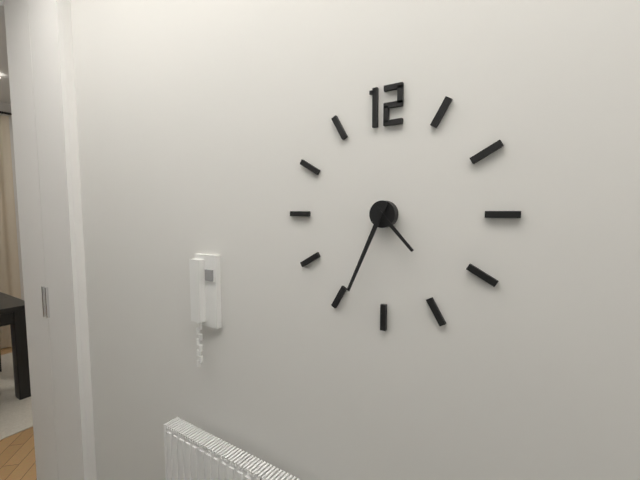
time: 4:34
